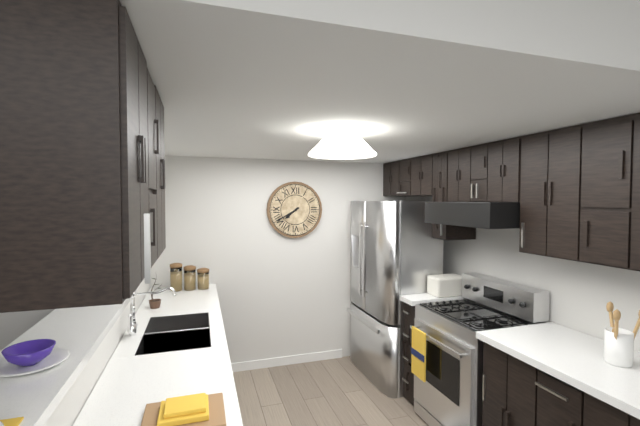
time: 7:40
